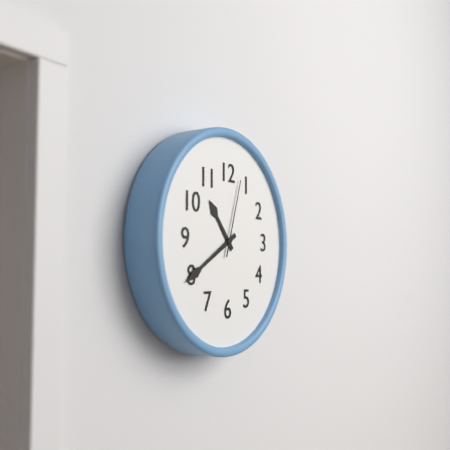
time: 10:40:03
